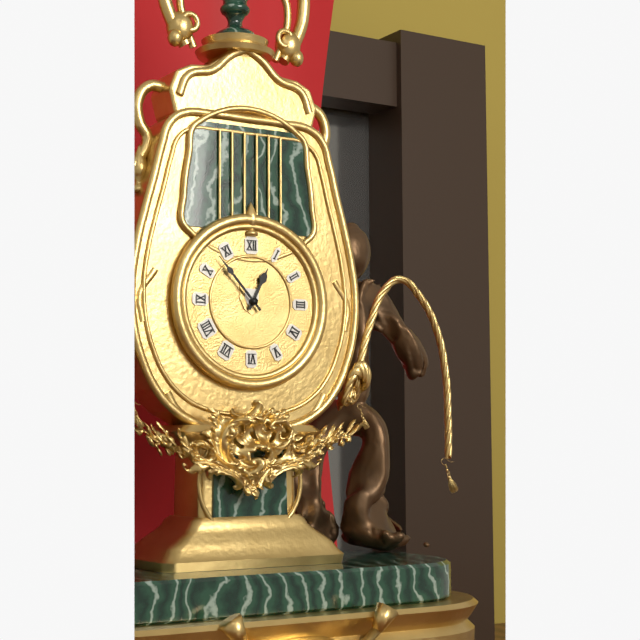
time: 12:53
